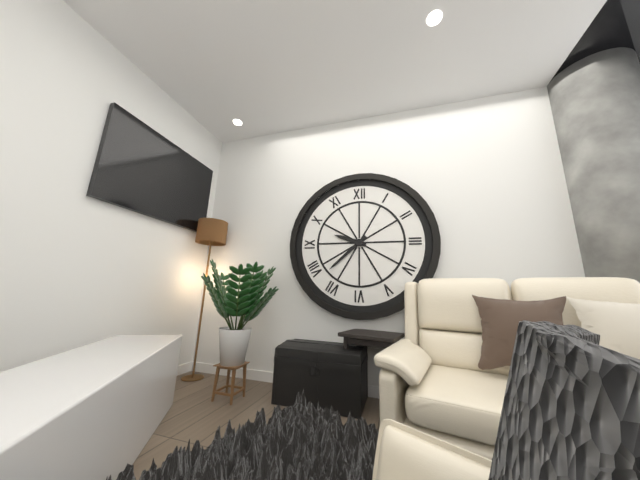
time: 9:38
